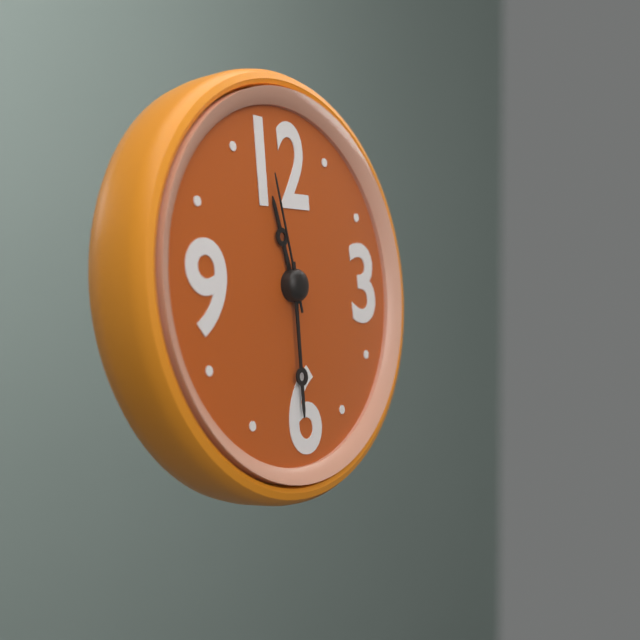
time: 11:30:58
